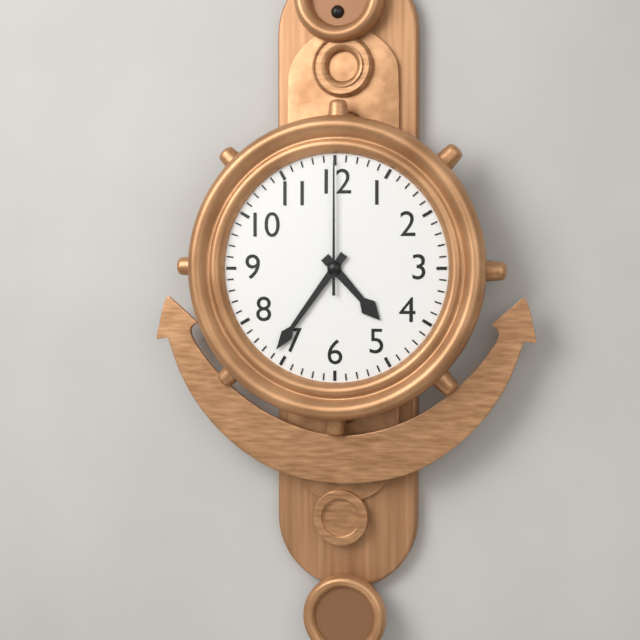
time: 4:36:00
